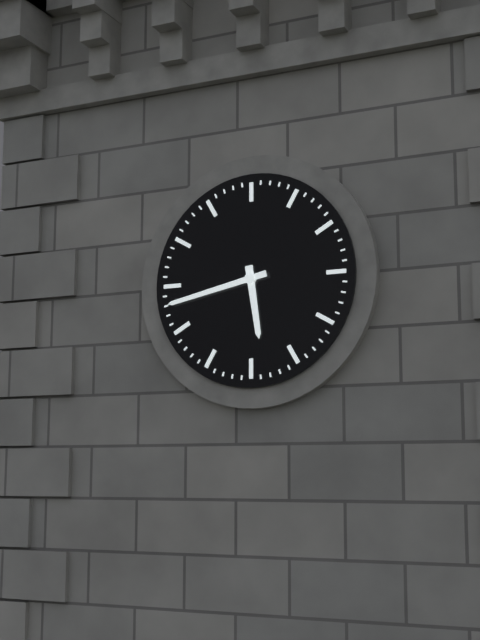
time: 5:43
